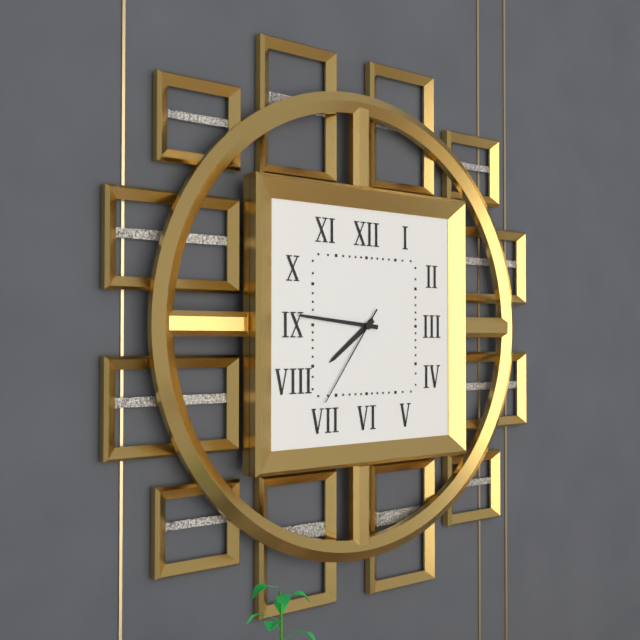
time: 7:46:36
